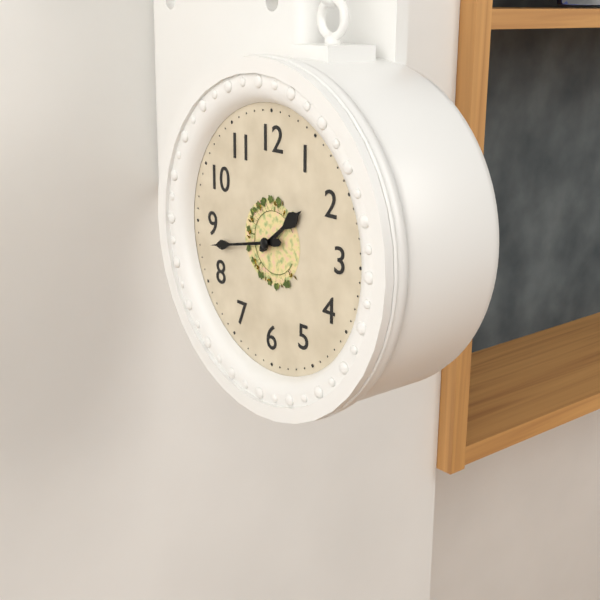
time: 1:43
